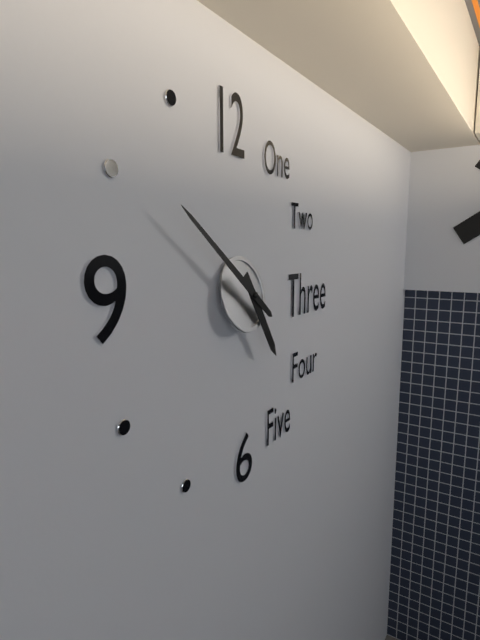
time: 4:51
